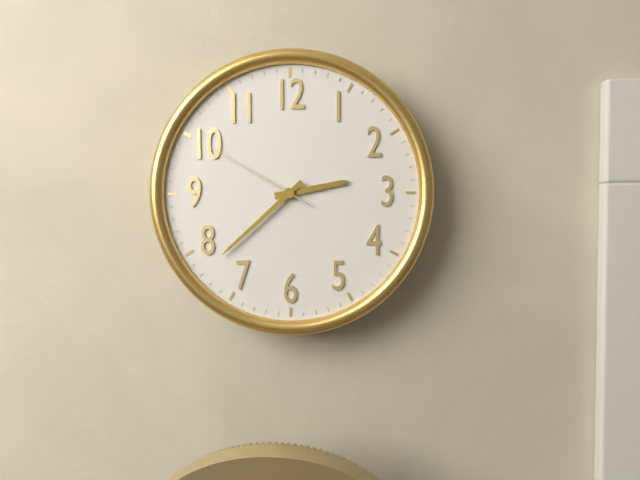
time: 2:38:50
